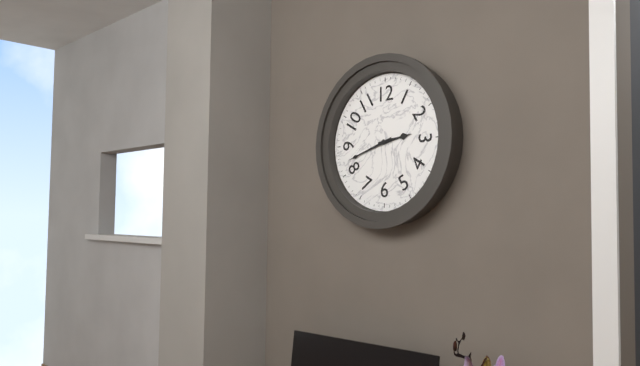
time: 2:42
